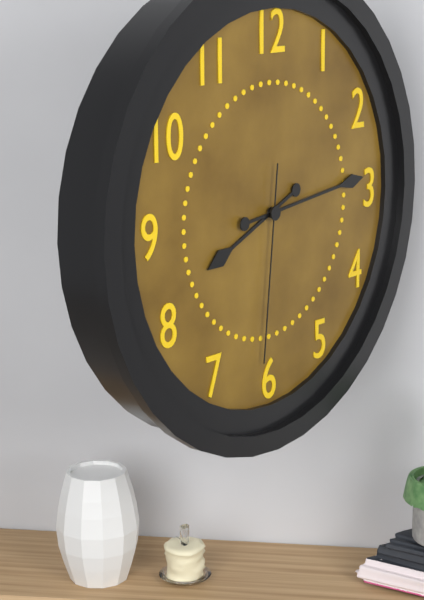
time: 8:14:31
